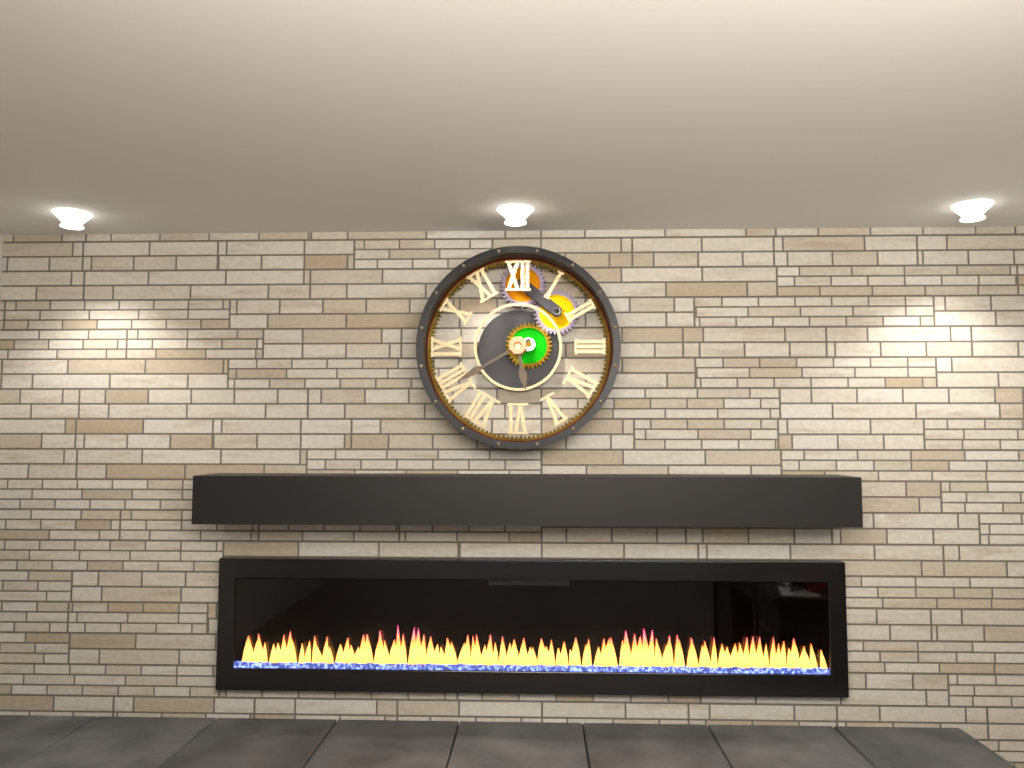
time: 5:40
